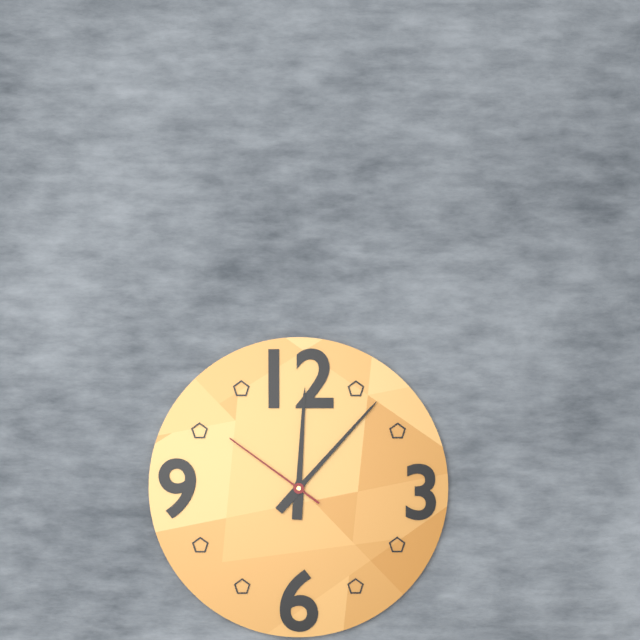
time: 12:07:51
